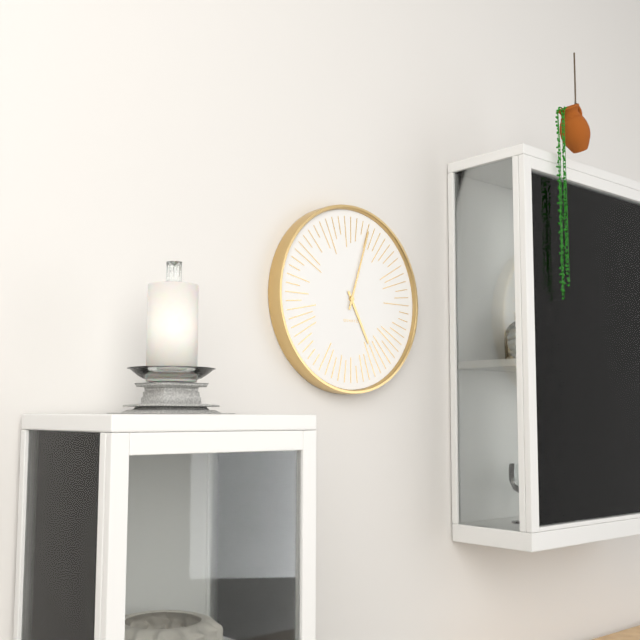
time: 5:03
